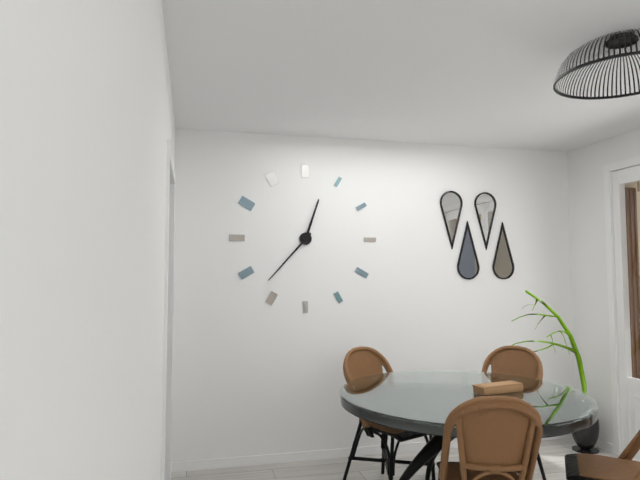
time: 12:37
